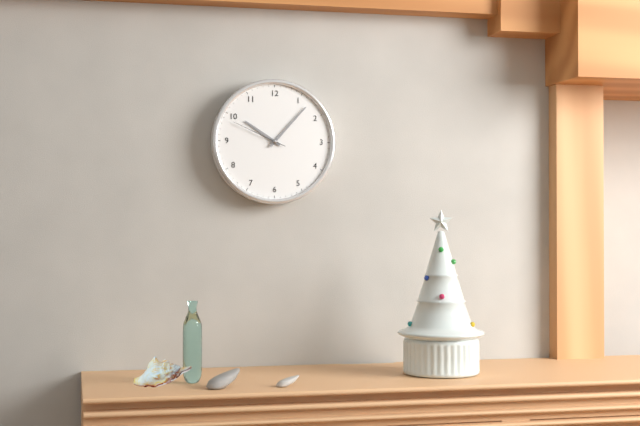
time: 10:07:49
